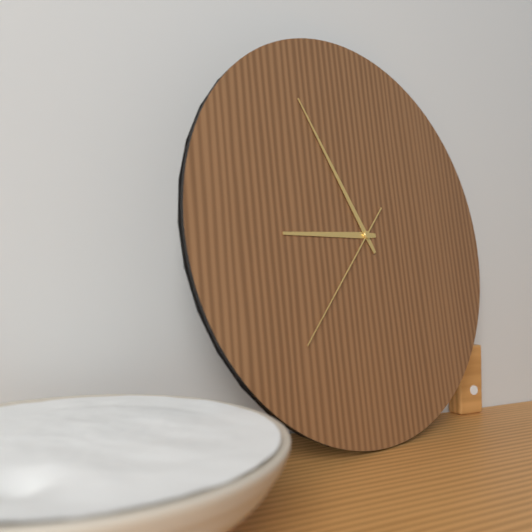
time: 8:55:37
